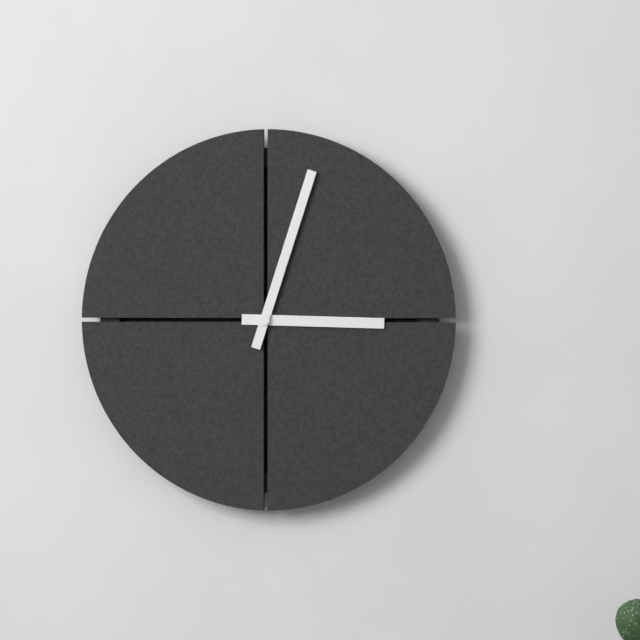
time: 3:03
